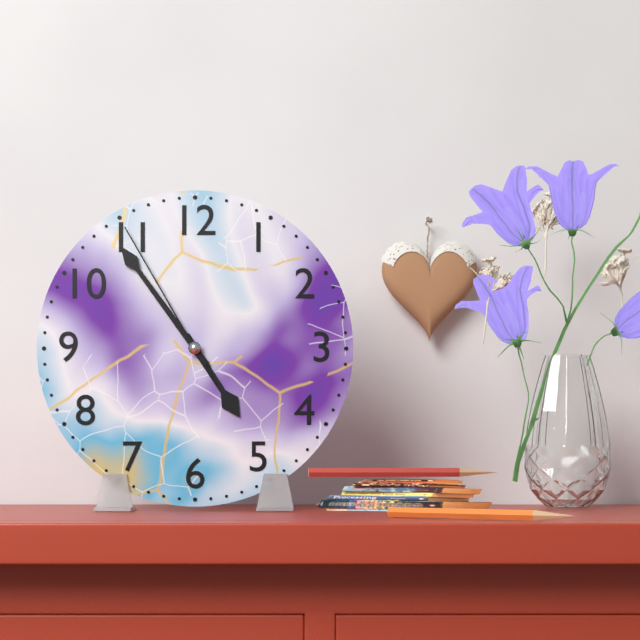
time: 4:54:55
